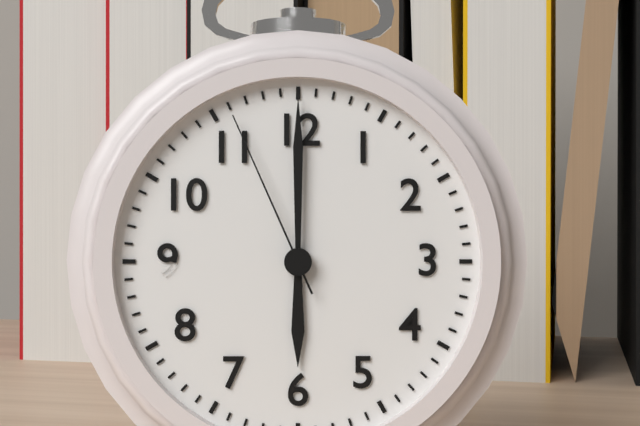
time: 6:00:56
